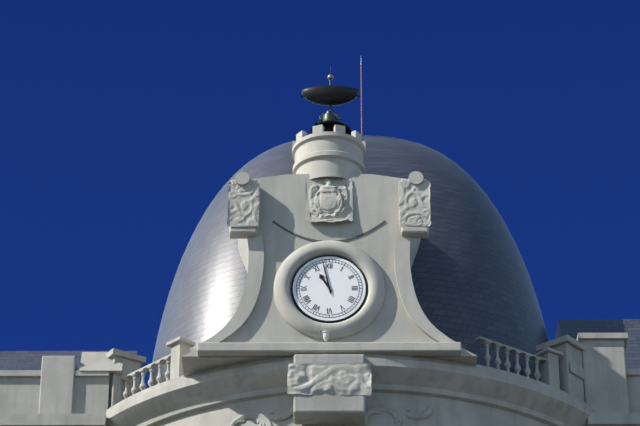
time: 10:58
